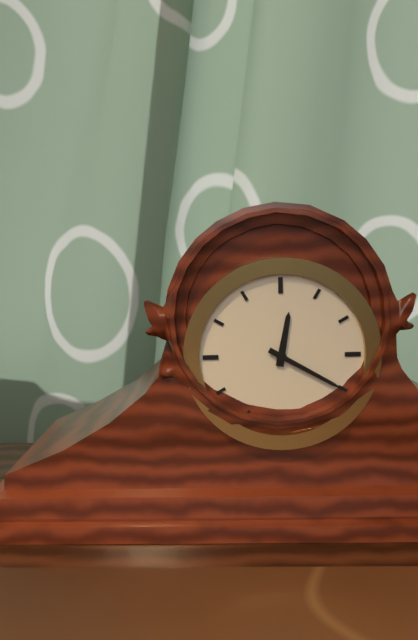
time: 12:20
